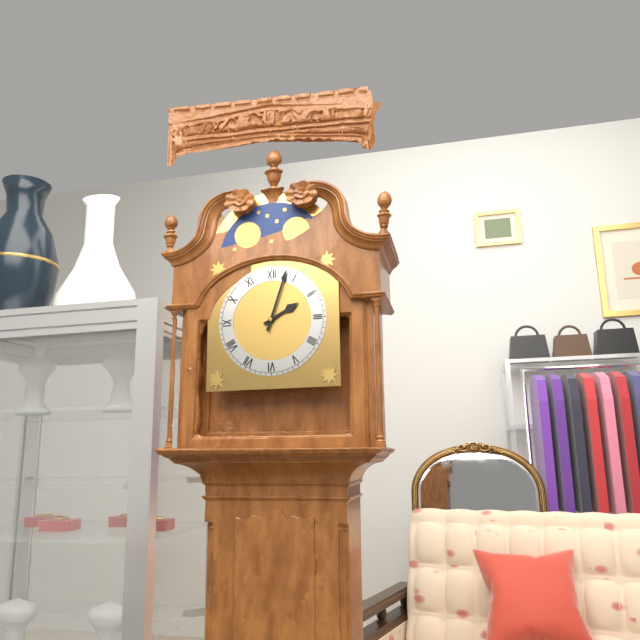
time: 2:03
